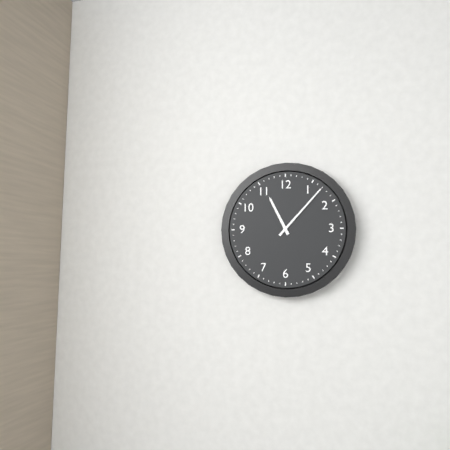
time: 11:07
